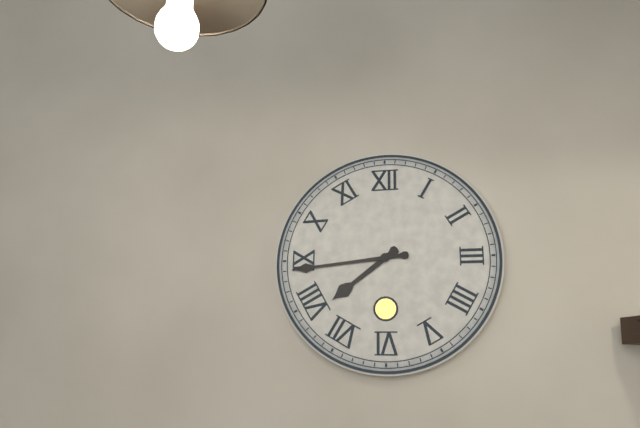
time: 7:44
